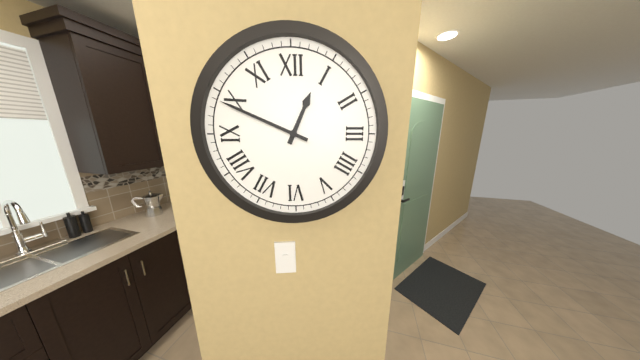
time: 12:49
